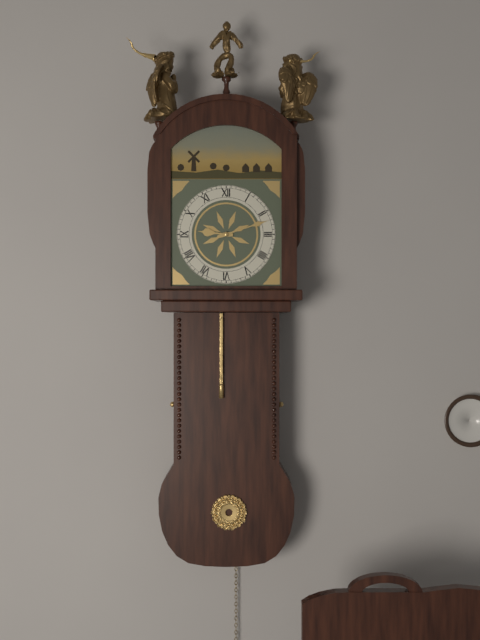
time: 9:12
